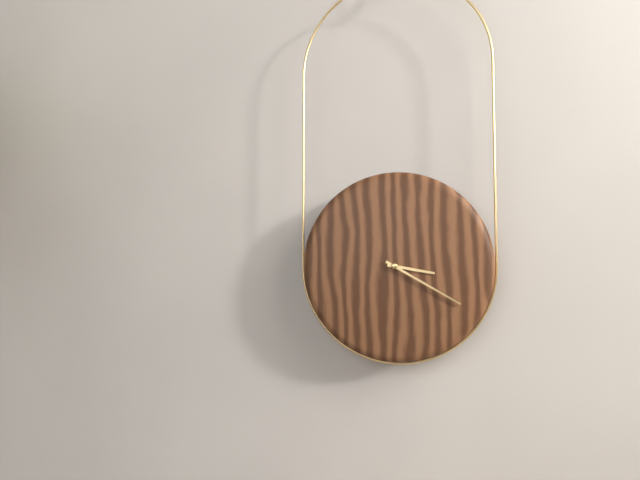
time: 3:20
